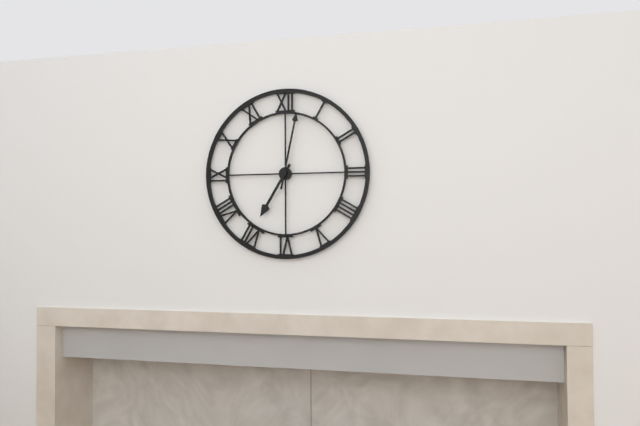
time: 7:02
